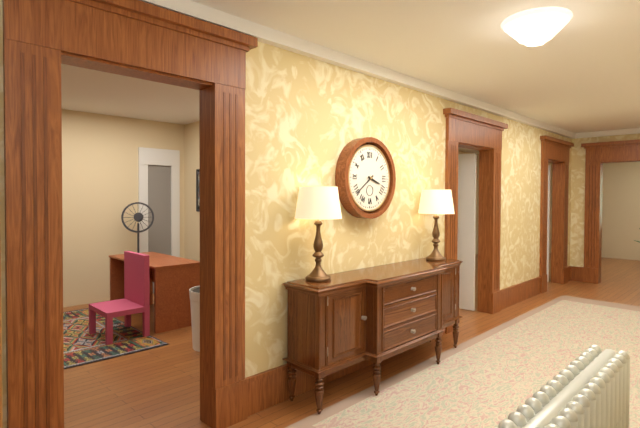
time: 3:39
